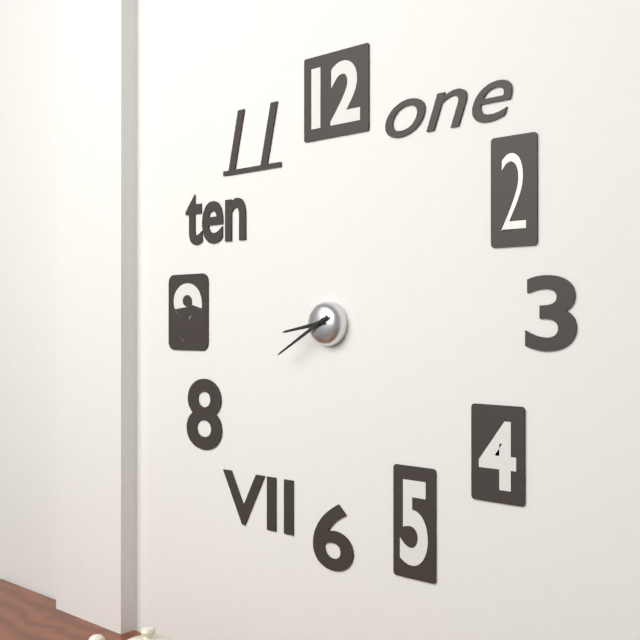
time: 8:40
